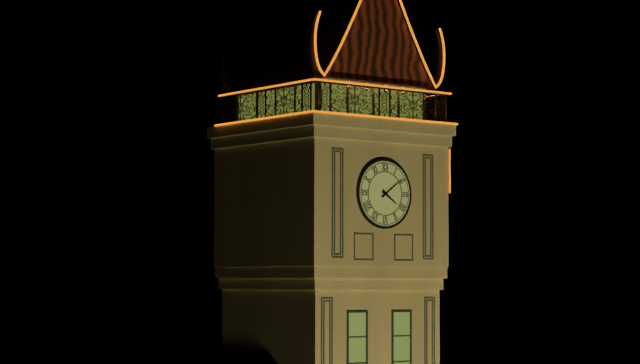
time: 4:09
